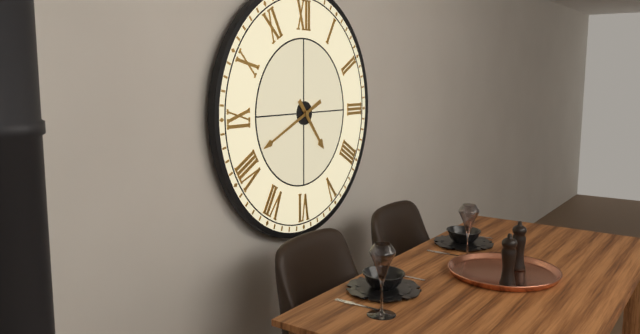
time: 4:41
